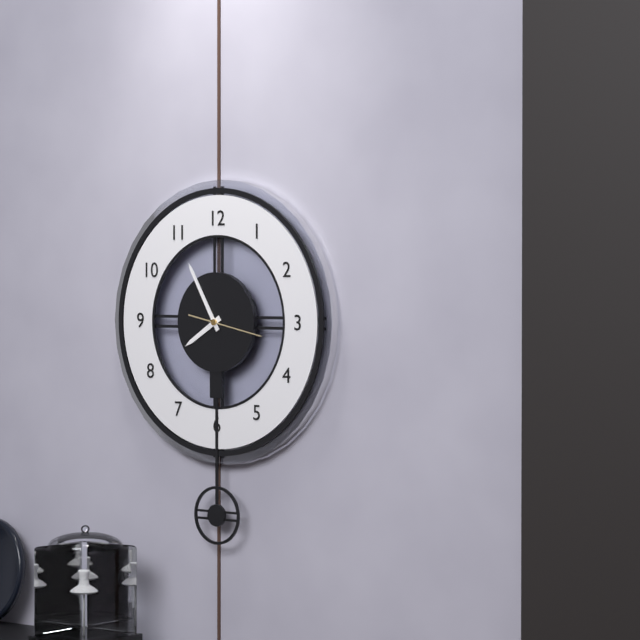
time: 7:55
